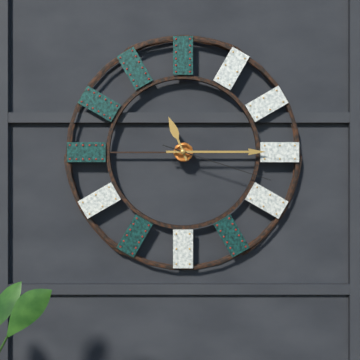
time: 11:15:18
